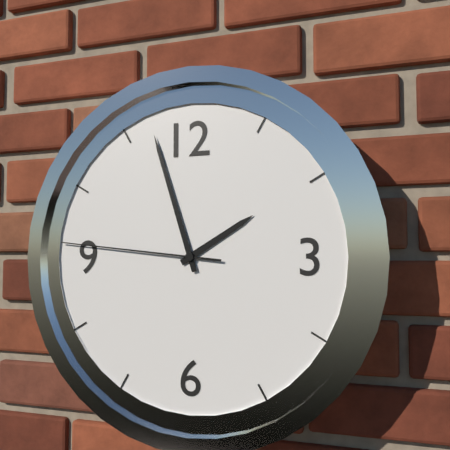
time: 1:57:46
